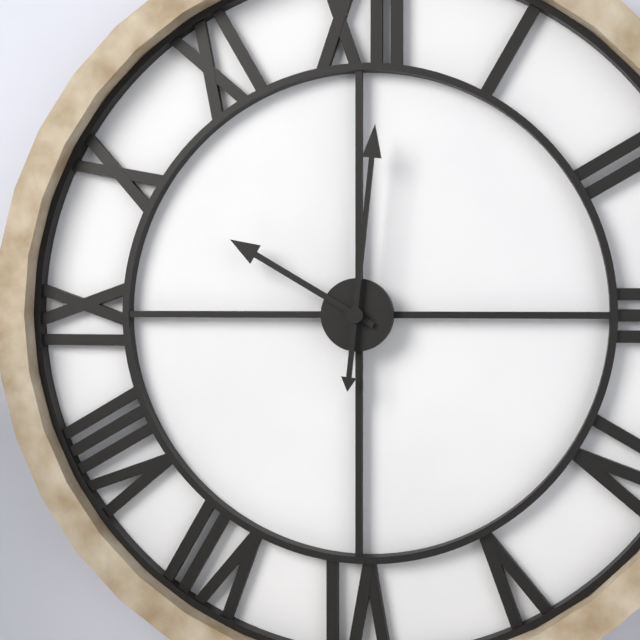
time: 10:01
